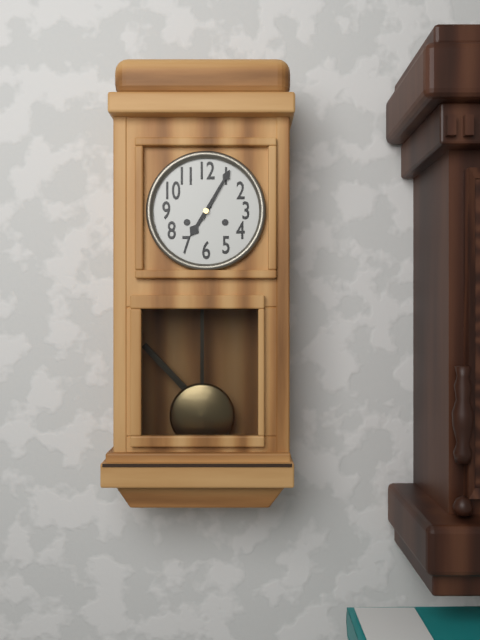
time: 7:05
